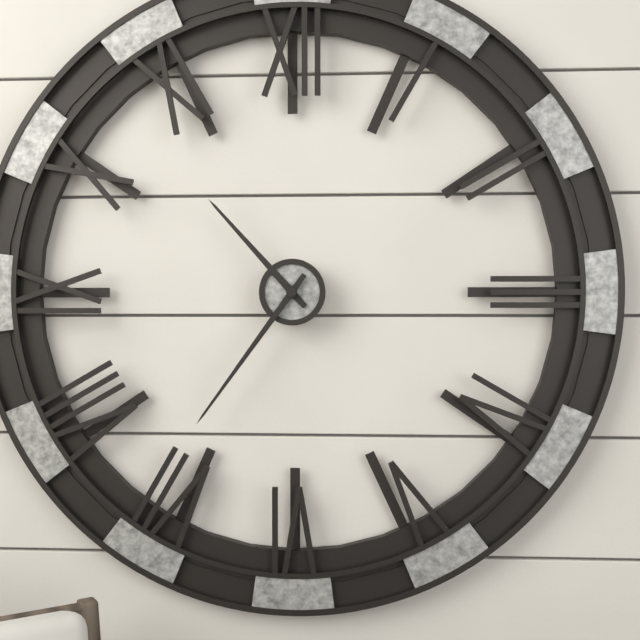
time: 10:36
